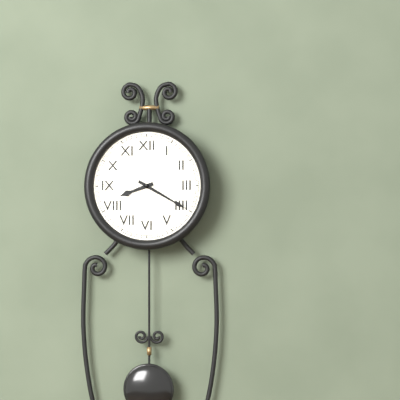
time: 8:20
